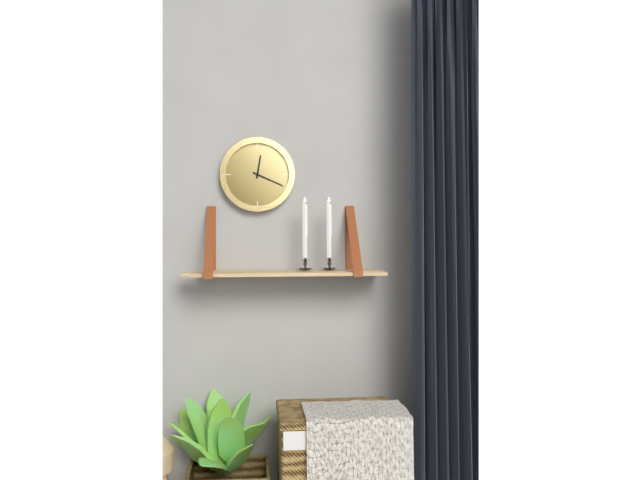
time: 12:19
